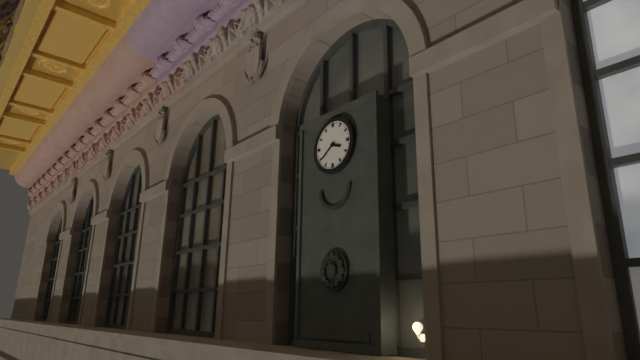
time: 3:39
